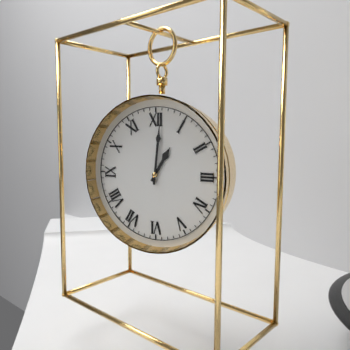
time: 1:01
